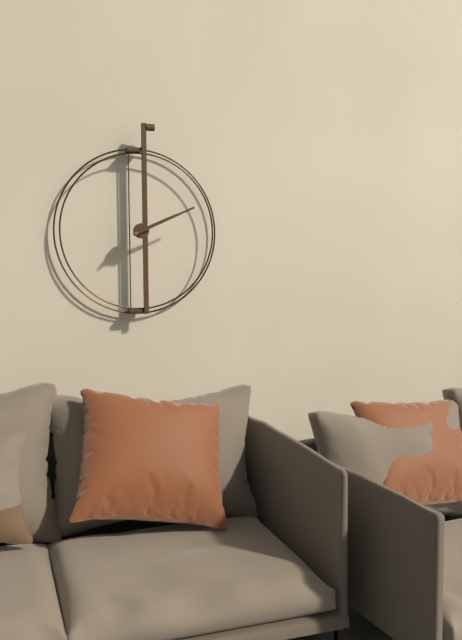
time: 2:11
